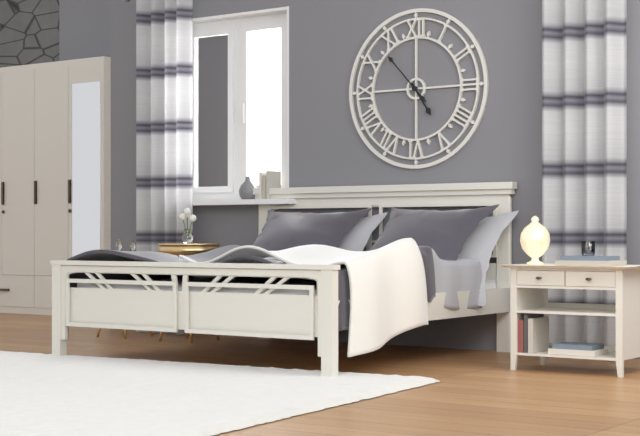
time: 4:53
